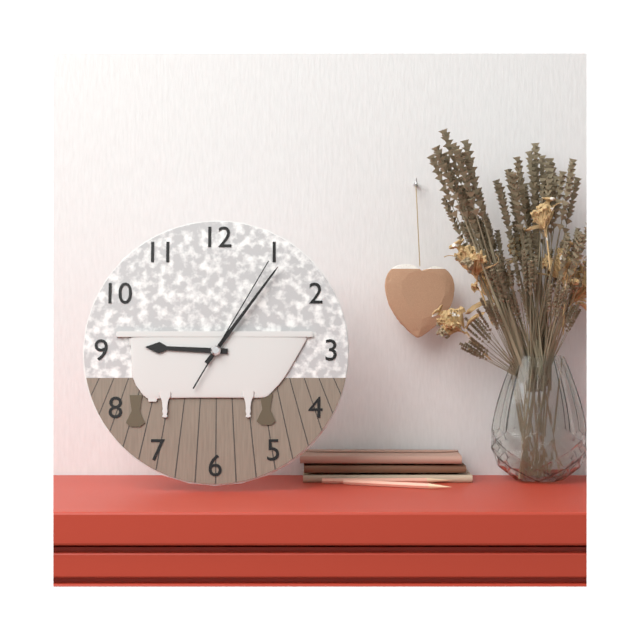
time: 9:06:05
